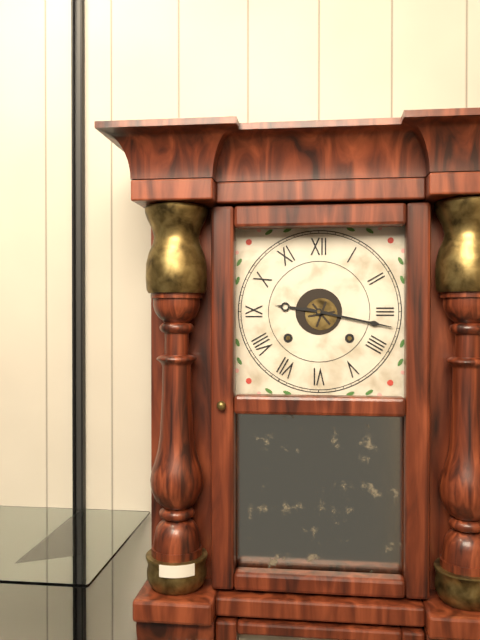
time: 9:17
